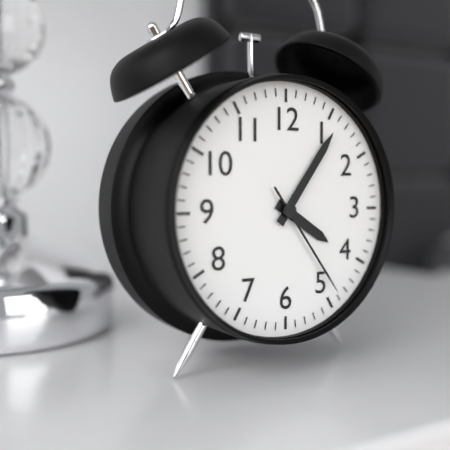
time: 4:06:24
